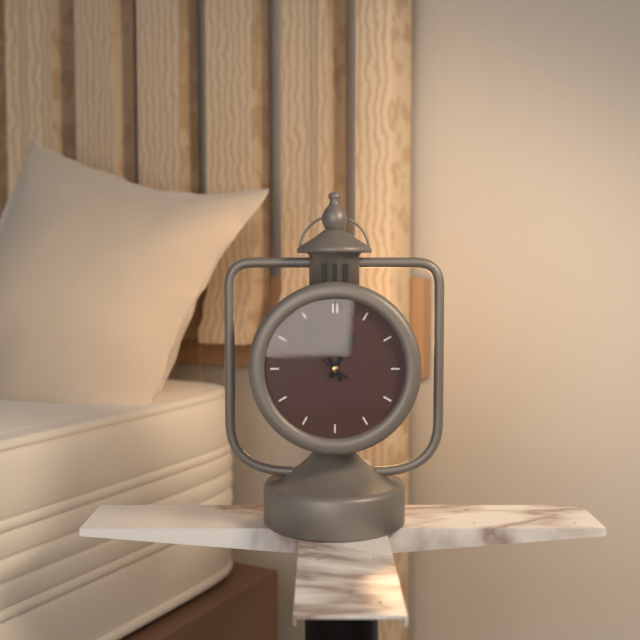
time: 12:55:51
